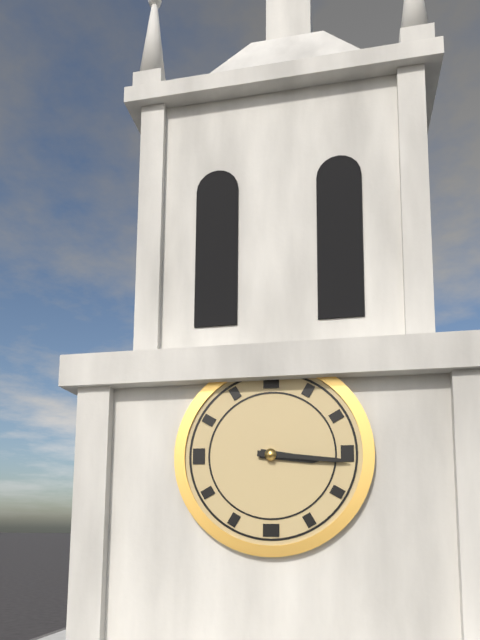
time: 3:16
